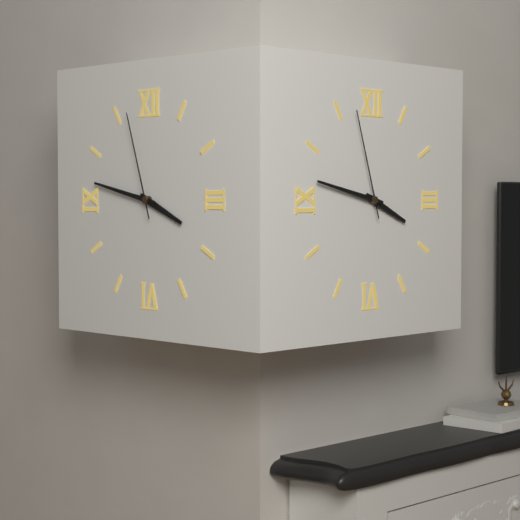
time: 3:47:57
